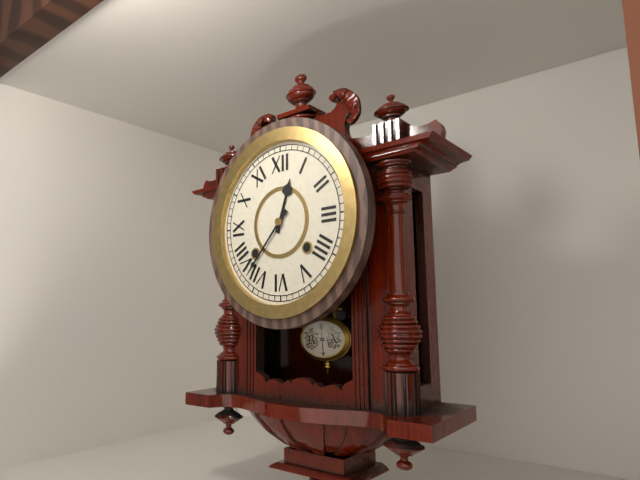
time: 12:37
